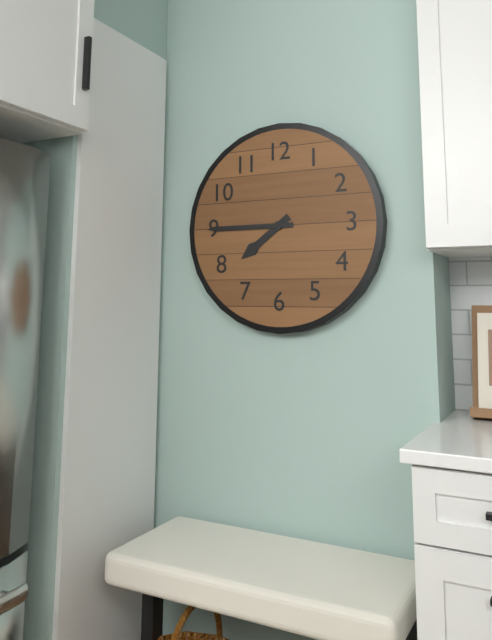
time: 7:45
